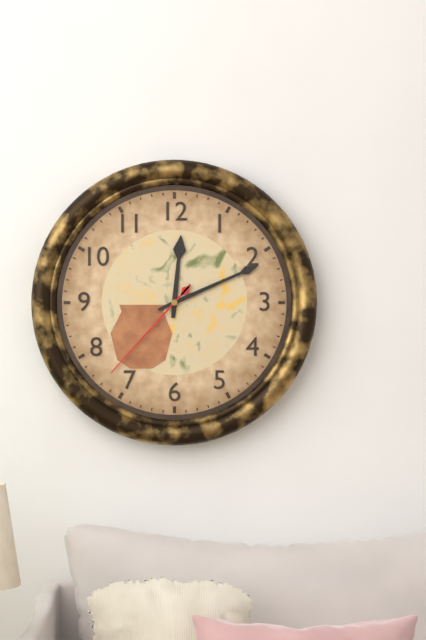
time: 12:11:37
